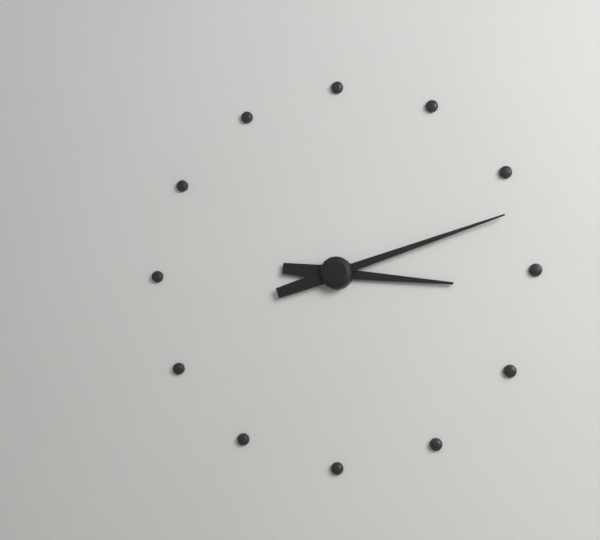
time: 3:12
